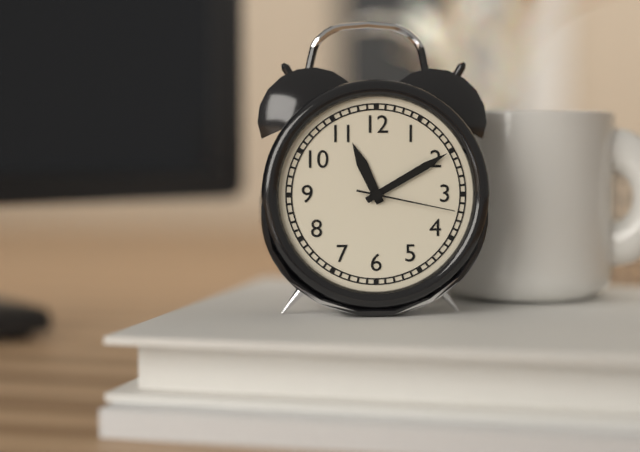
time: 11:10:17
